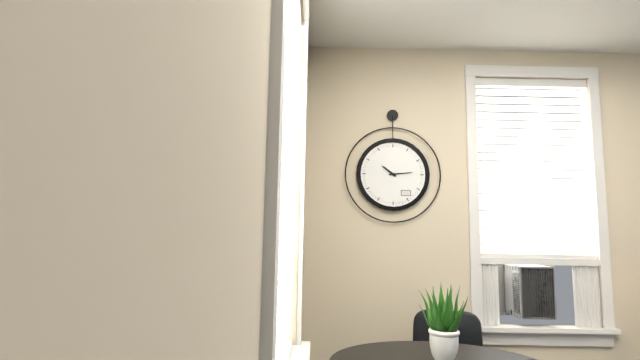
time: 10:14
